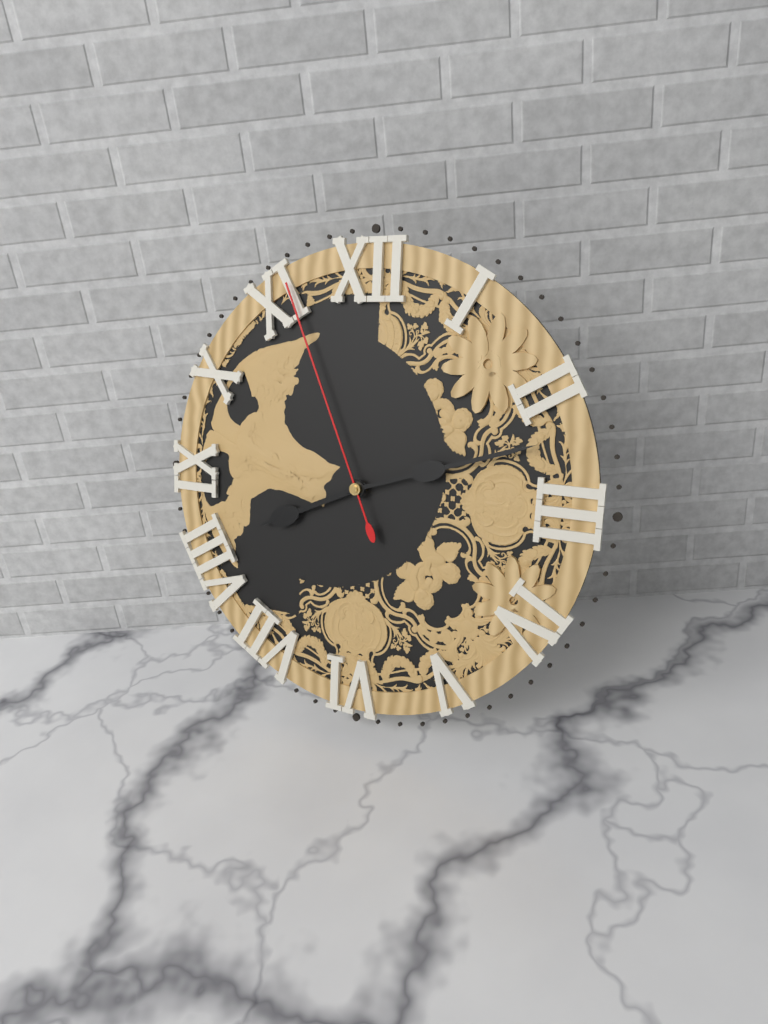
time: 8:12:56
